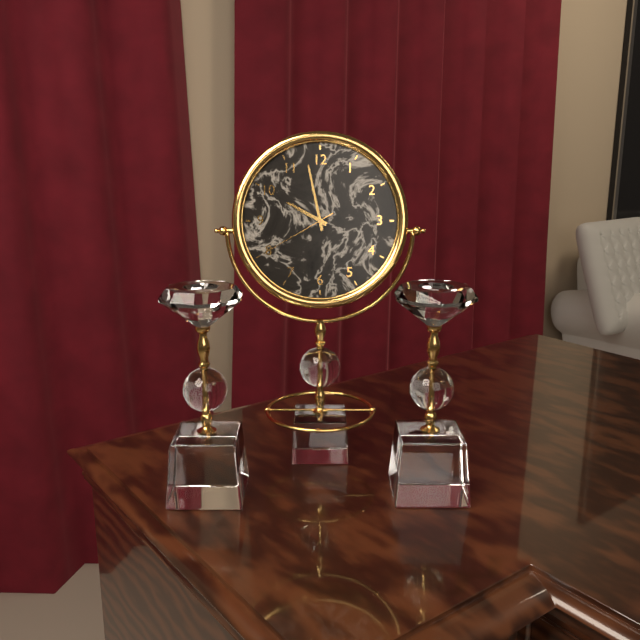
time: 9:58:40
